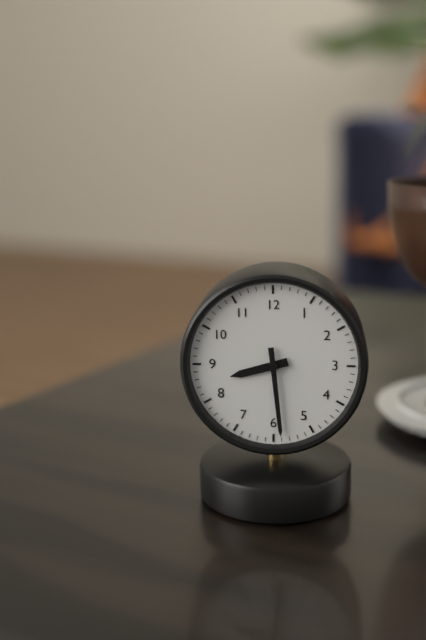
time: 8:29
